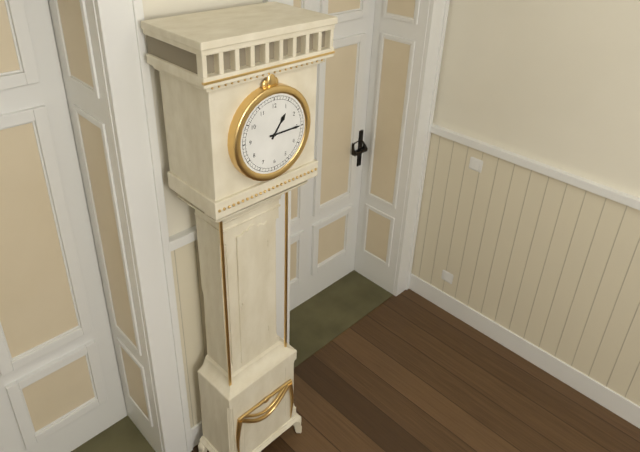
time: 1:15
